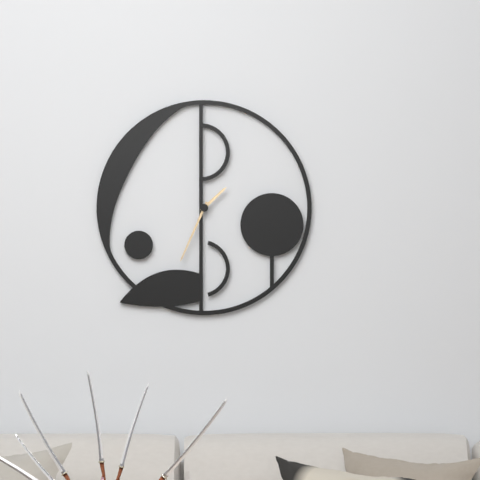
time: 1:34
